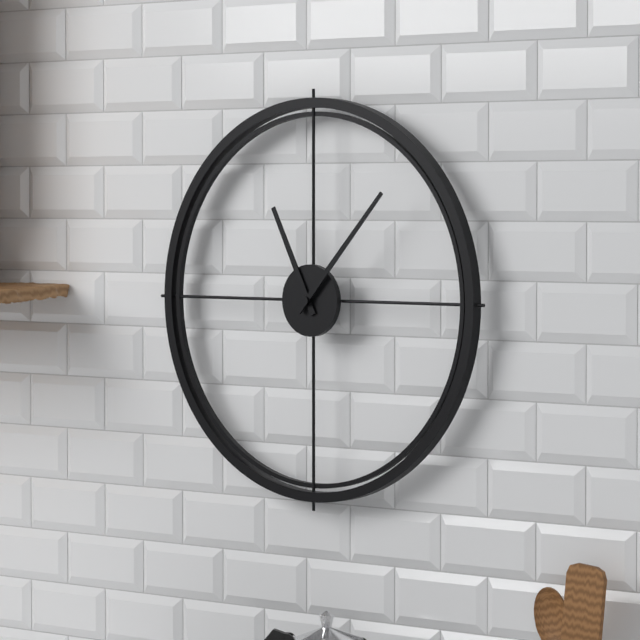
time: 11:07
